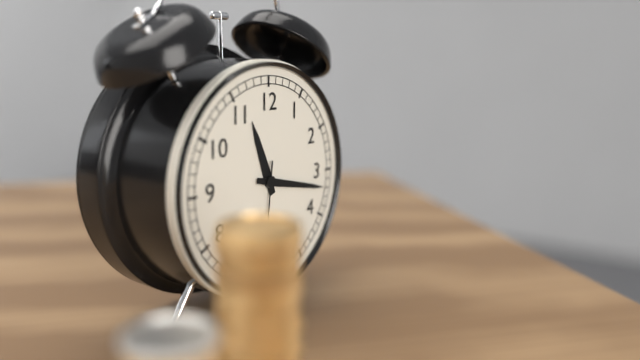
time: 11:17
